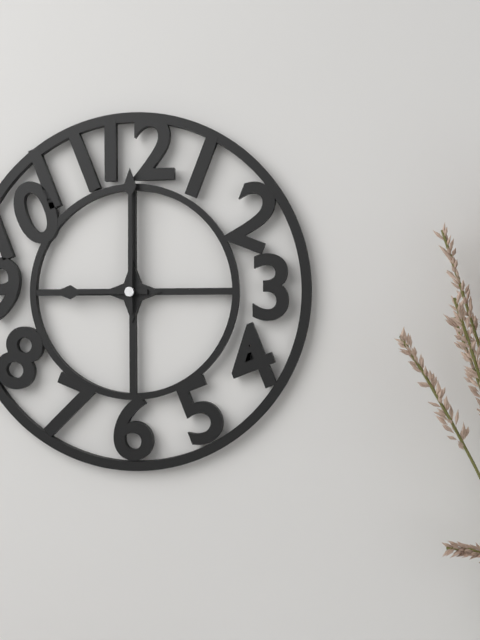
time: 9:00
